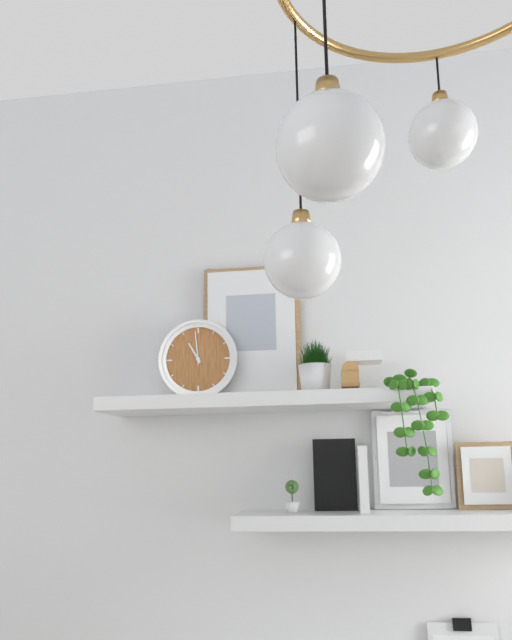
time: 10:59
